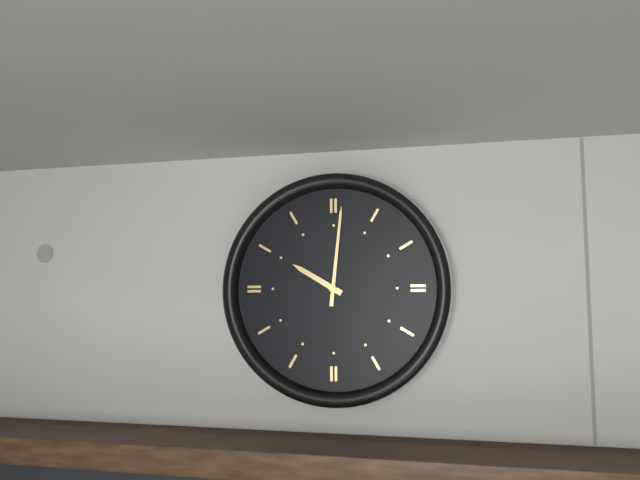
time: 10:01
